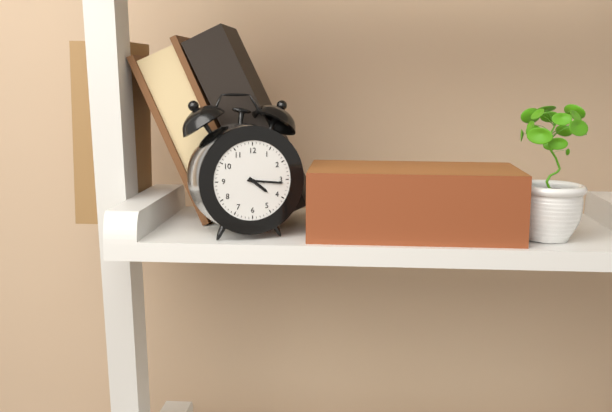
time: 4:16
